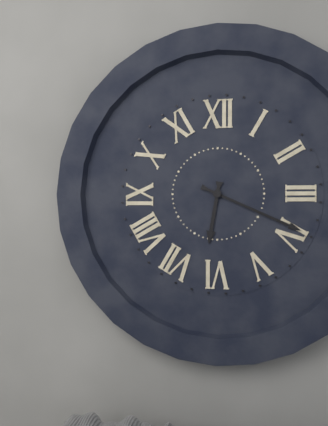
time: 6:19
